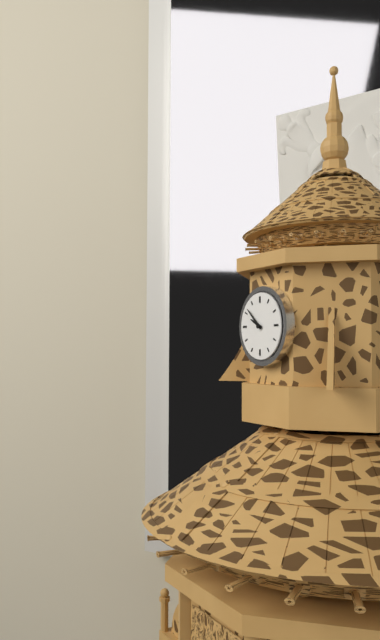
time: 9:52
